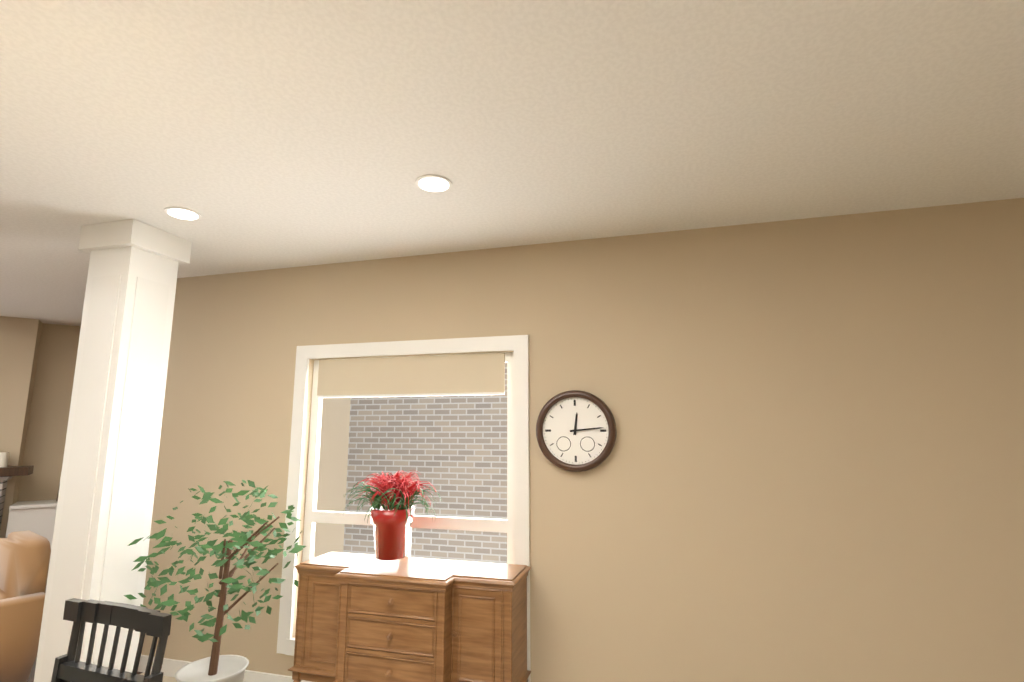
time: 12:14
